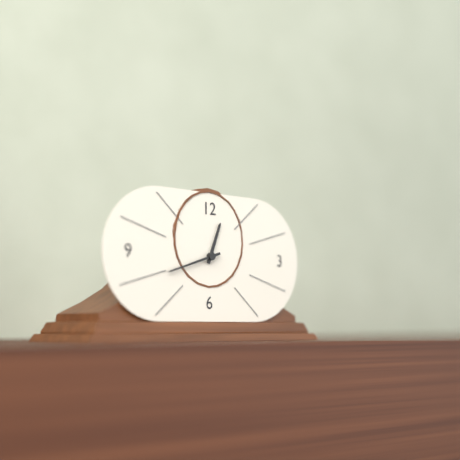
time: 12:42
